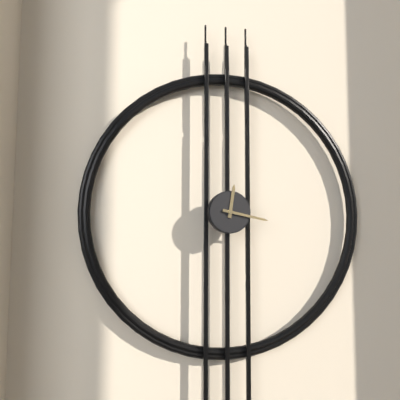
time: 12:17
